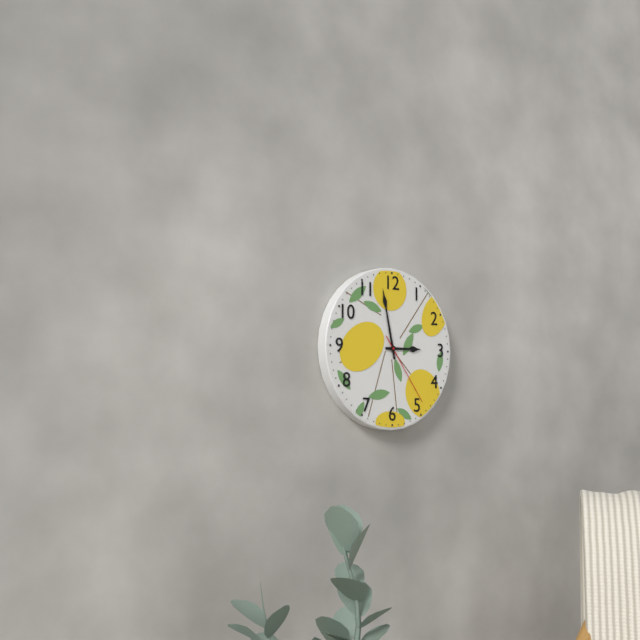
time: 2:58:24
